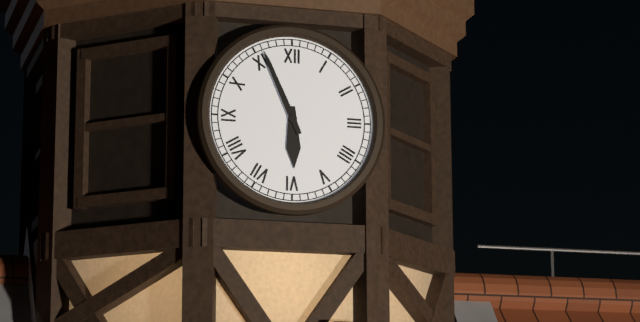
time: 5:56
